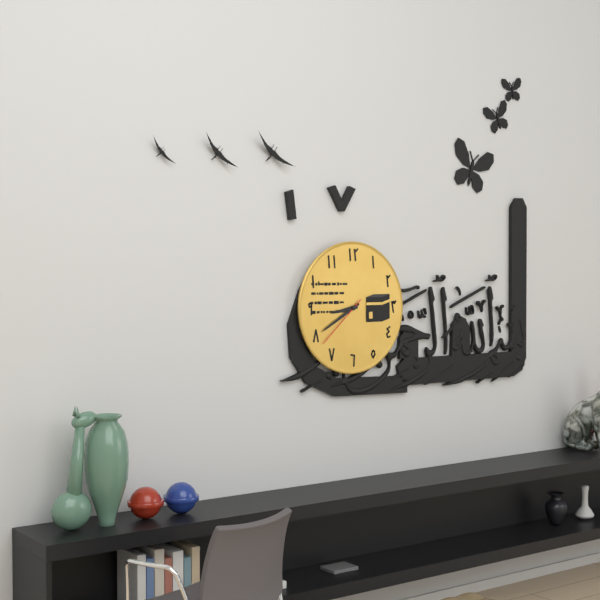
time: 8:40:38
